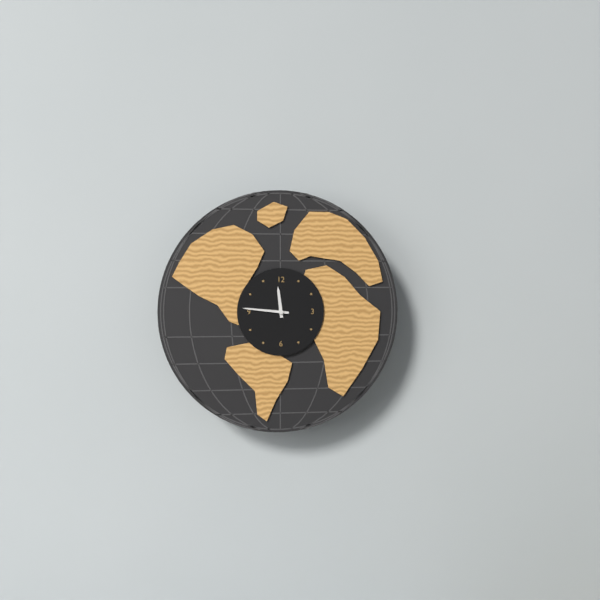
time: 11:46
